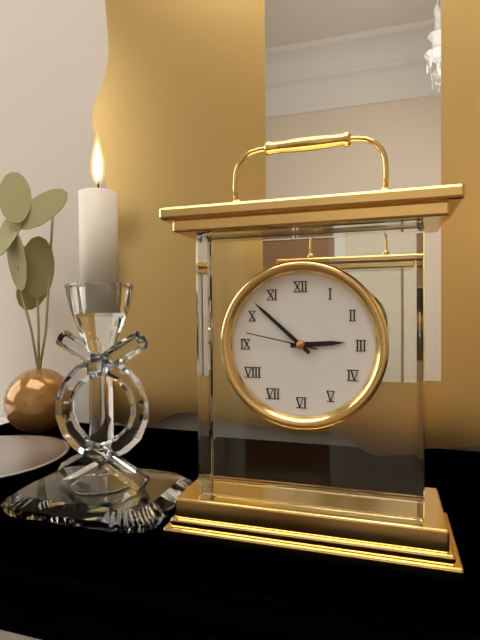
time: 2:52:47
